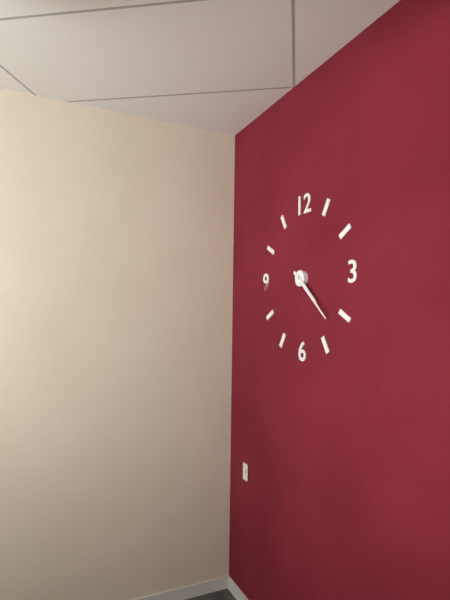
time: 4:22
